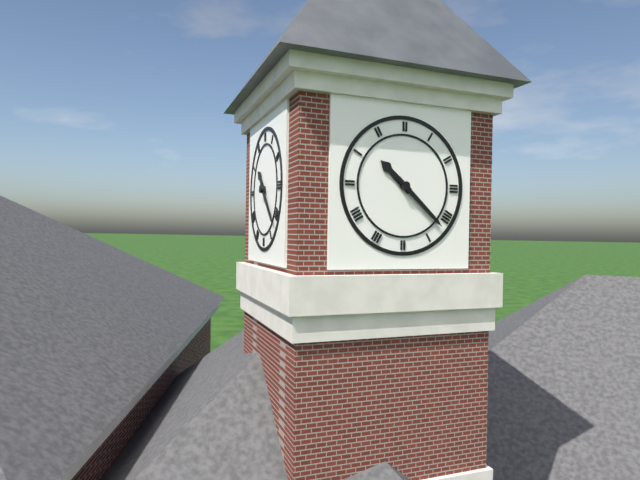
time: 10:22
